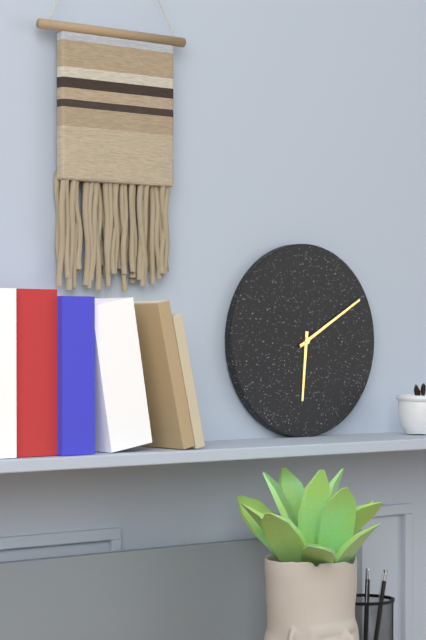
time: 6:10
